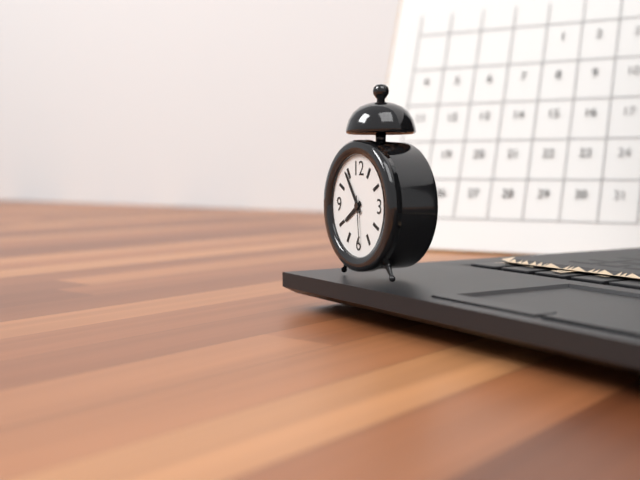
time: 7:54
